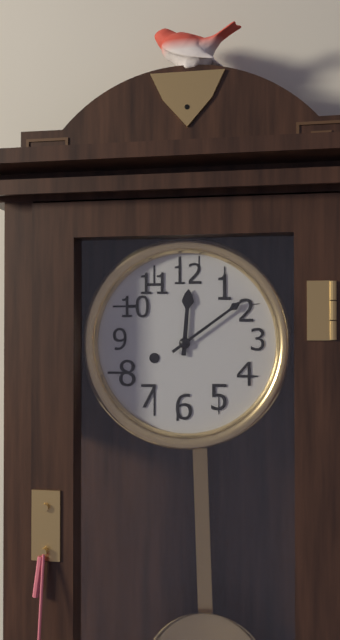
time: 12:09
